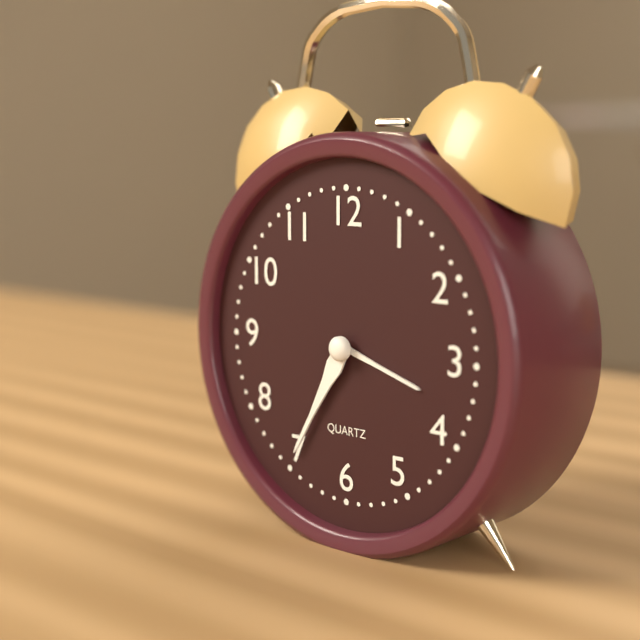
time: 3:35
